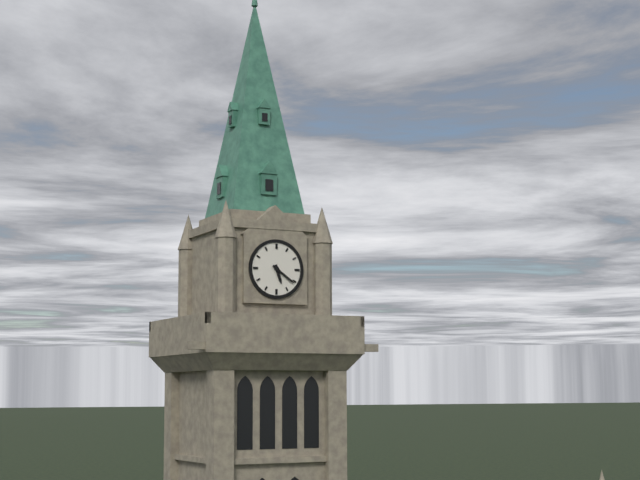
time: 5:21
